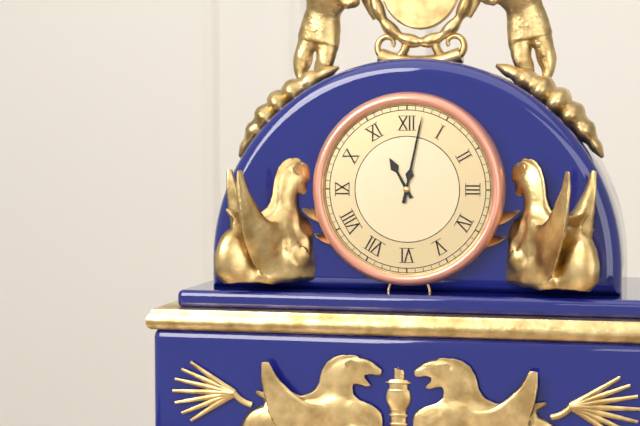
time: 11:02
